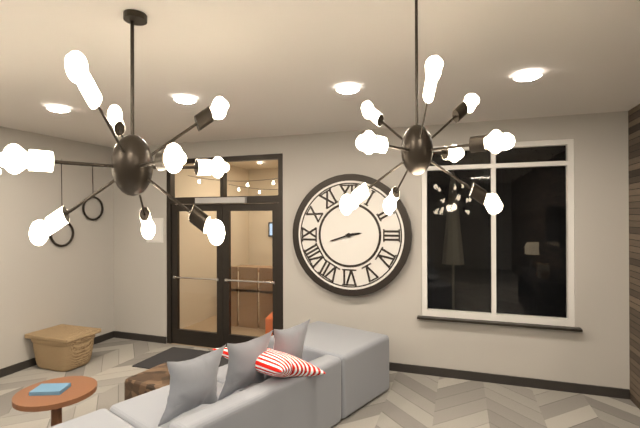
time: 2:42
